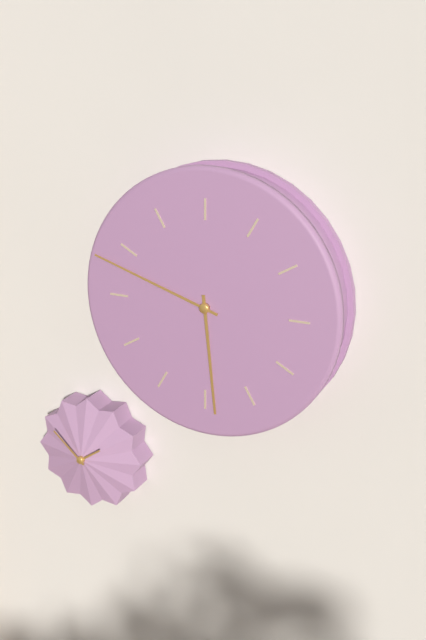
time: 5:48
